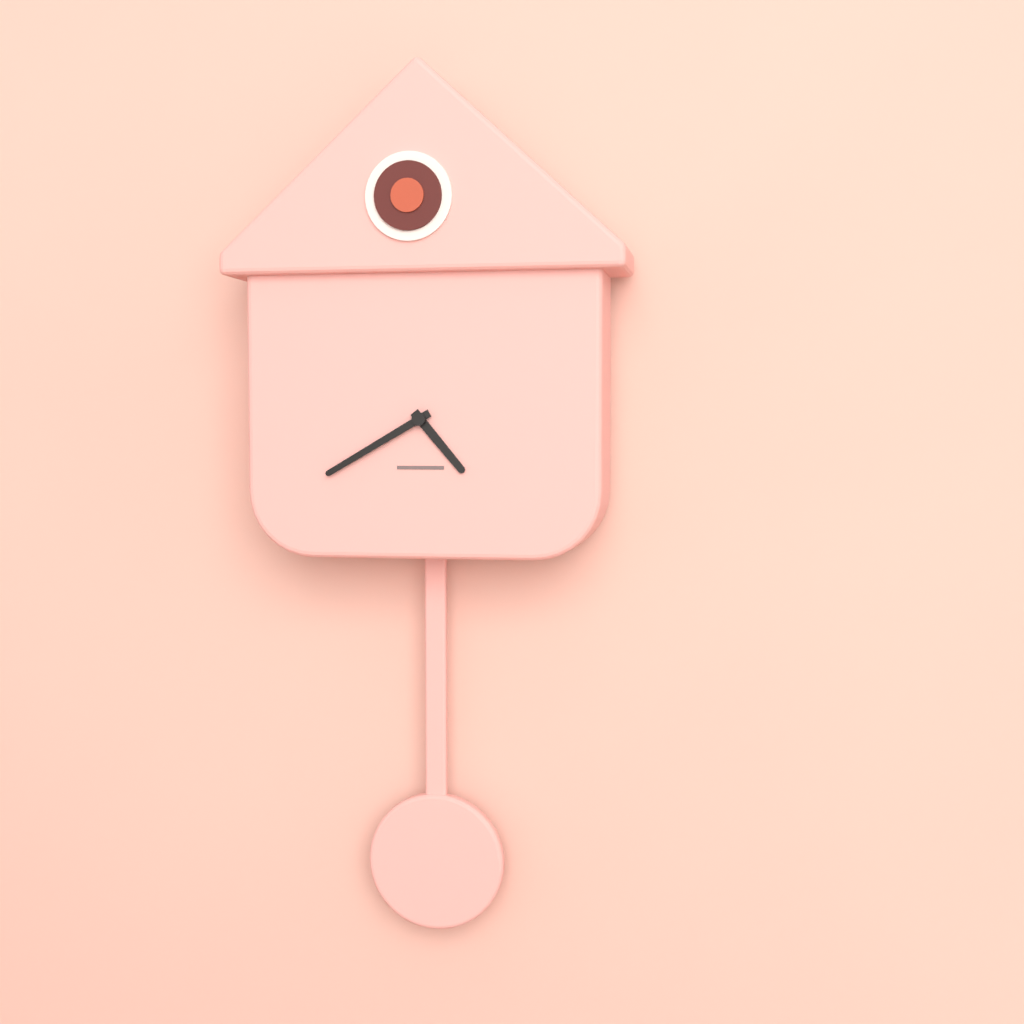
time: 4:40
